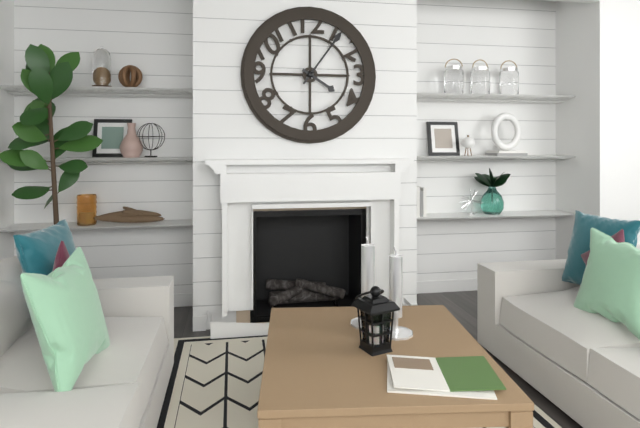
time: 4:06
